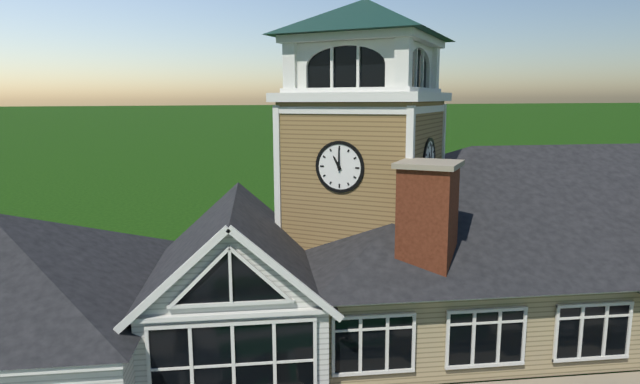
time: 11:00
